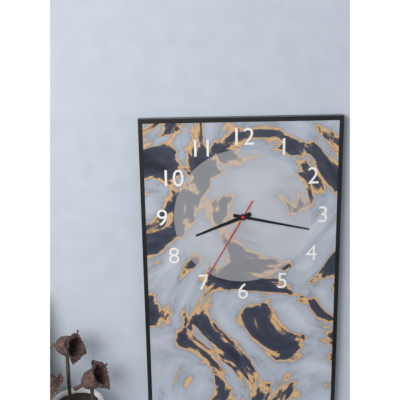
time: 8:17:35
